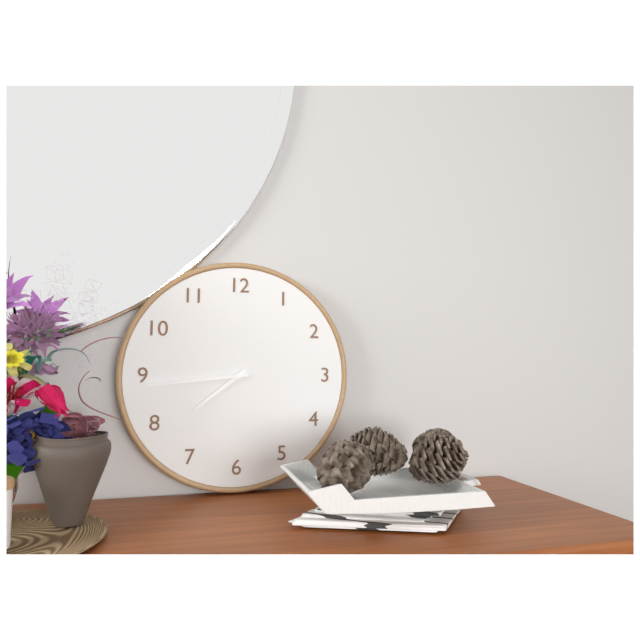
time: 7:44
